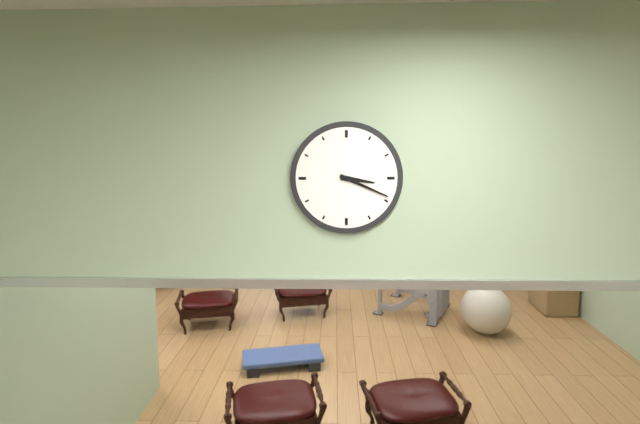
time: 3:19
